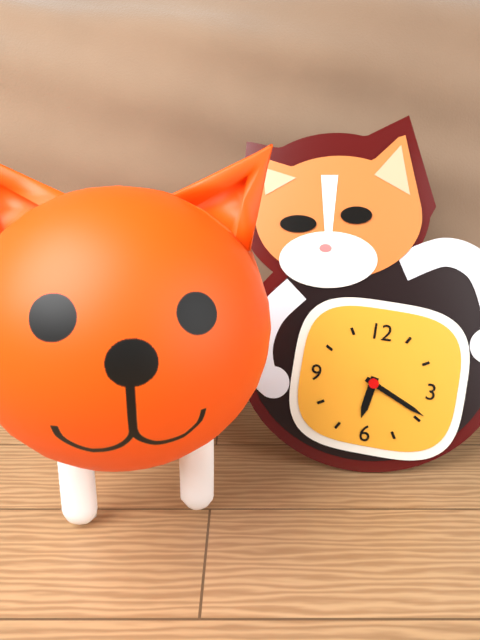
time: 6:19
